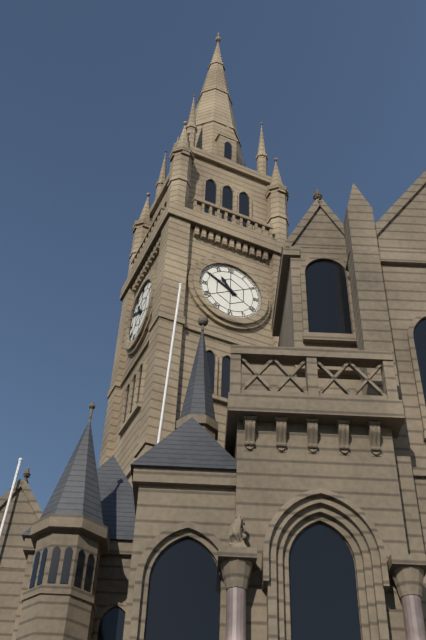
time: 10:50
